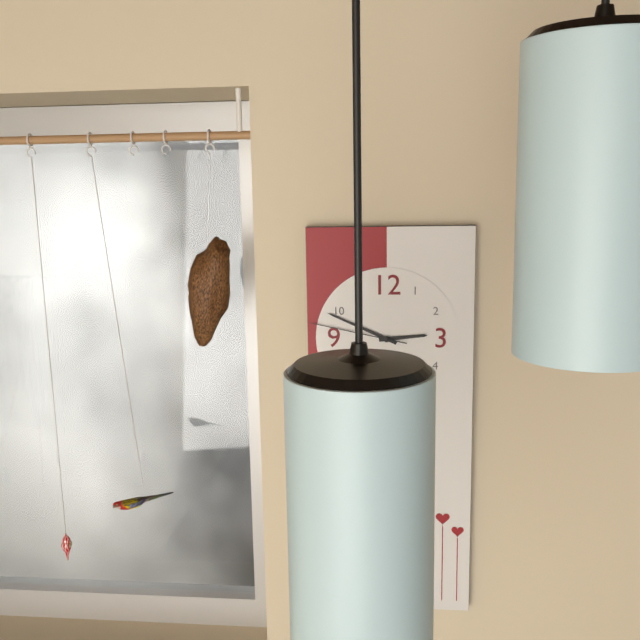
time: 2:49:47
